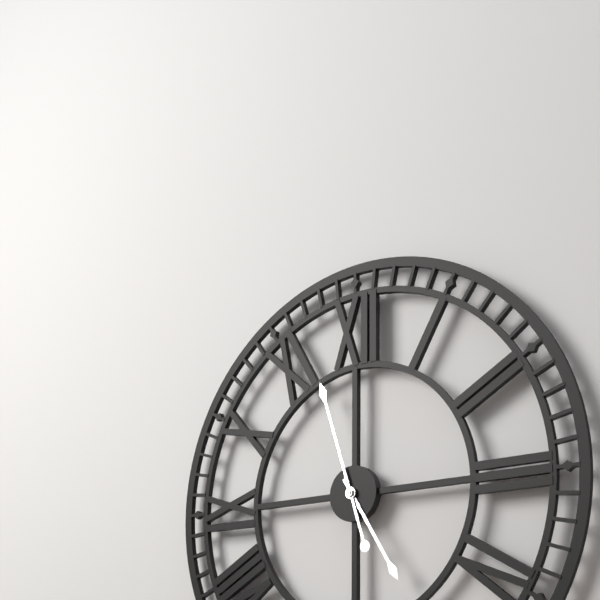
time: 4:57
